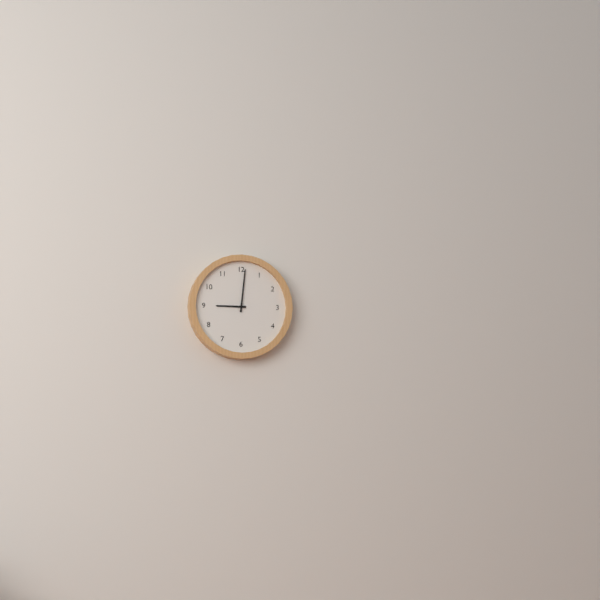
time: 9:01
